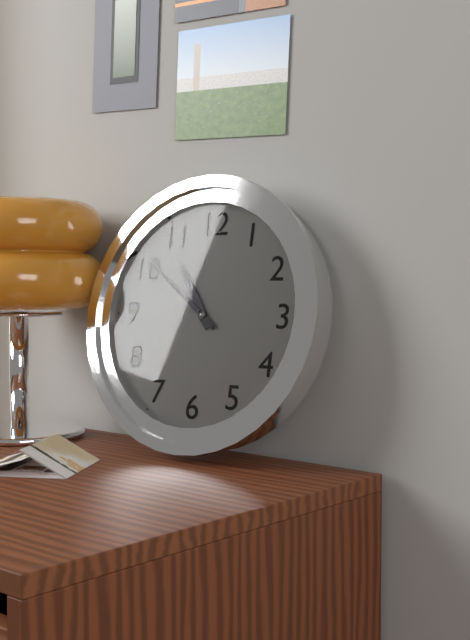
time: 10:51
